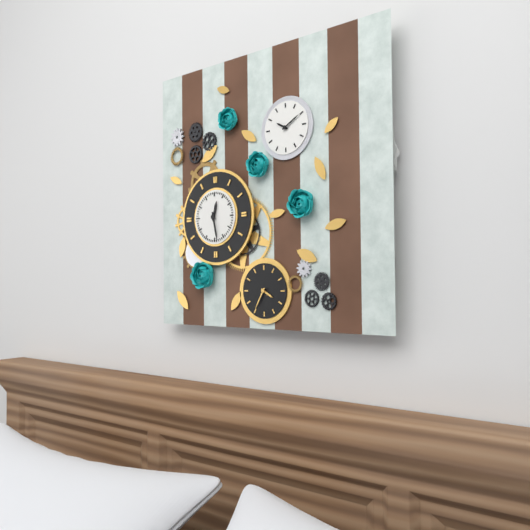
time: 12:28
